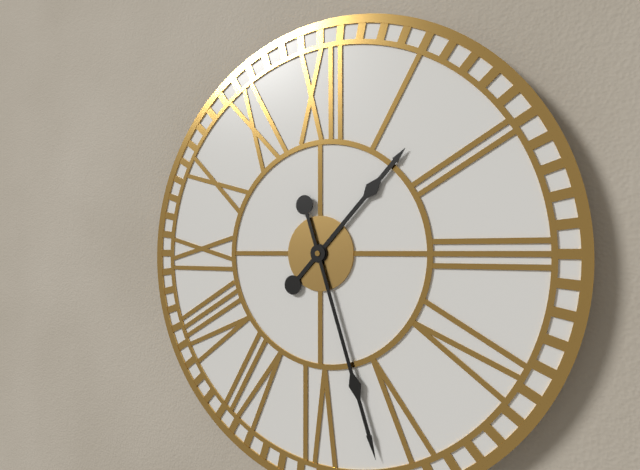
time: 1:27
